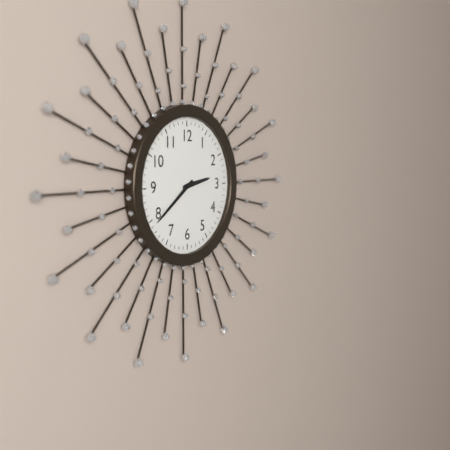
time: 2:39
